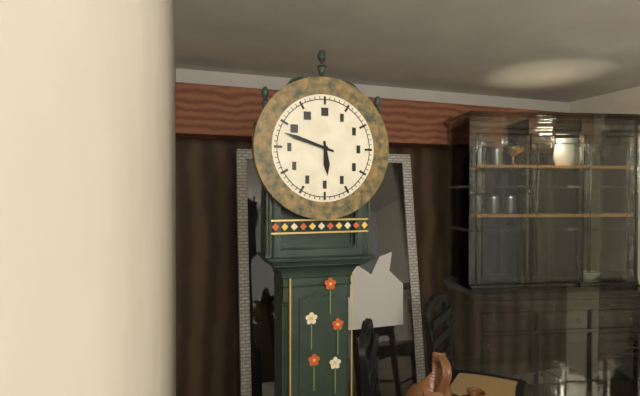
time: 5:48
